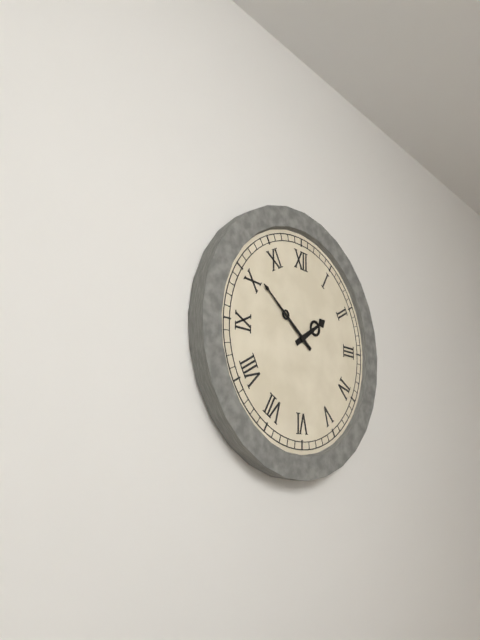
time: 1:51
